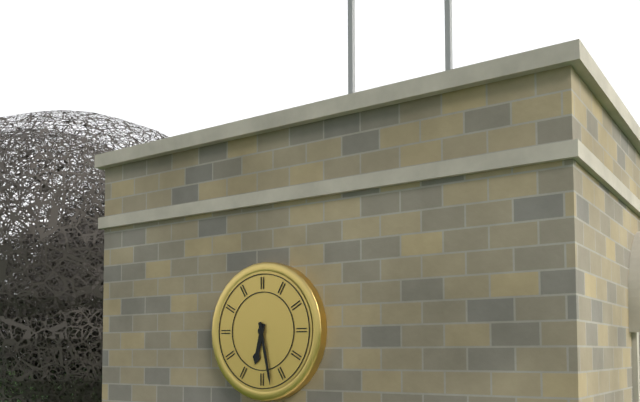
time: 6:28
